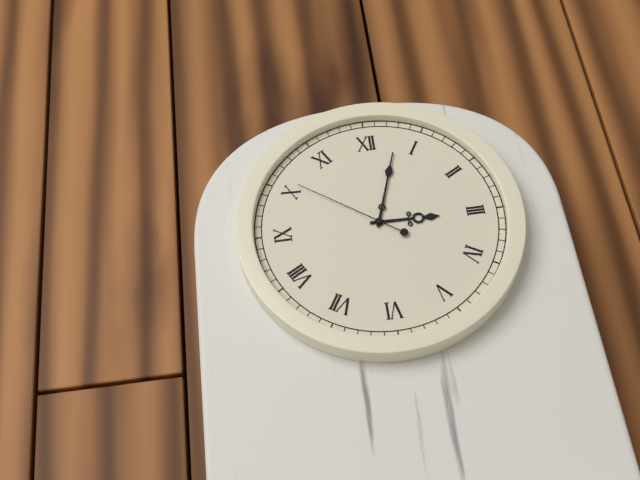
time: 3:03:51
